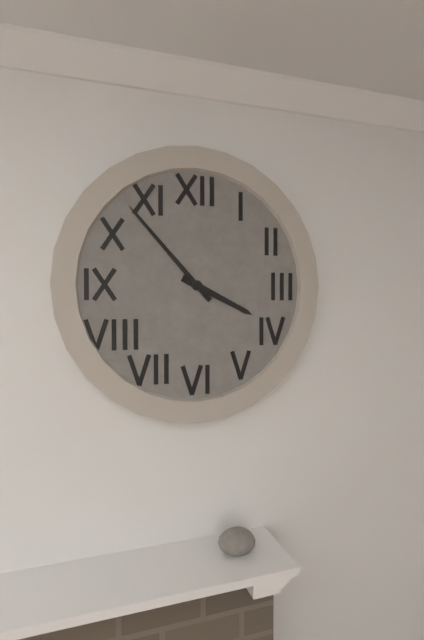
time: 3:53
